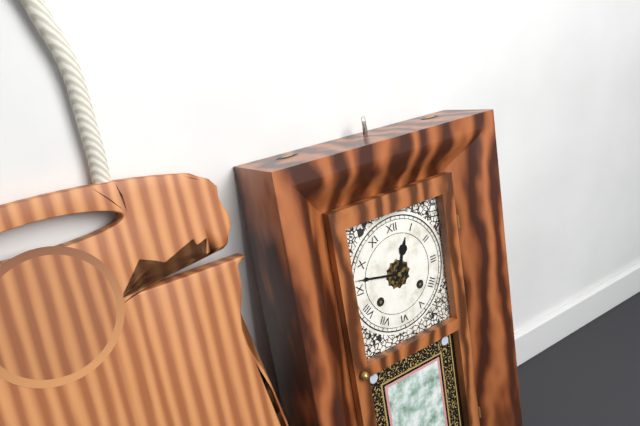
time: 12:47
